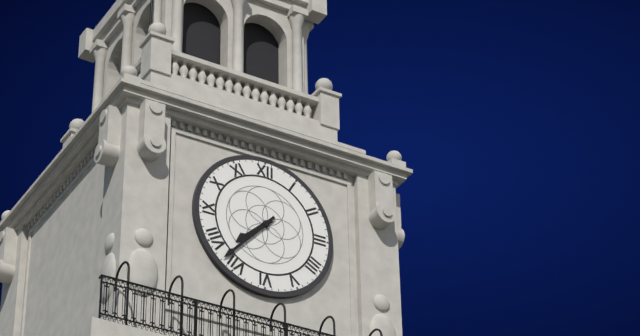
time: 7:37
